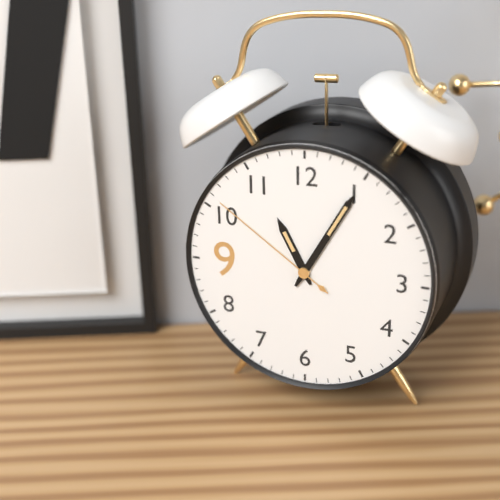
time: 11:05:51
